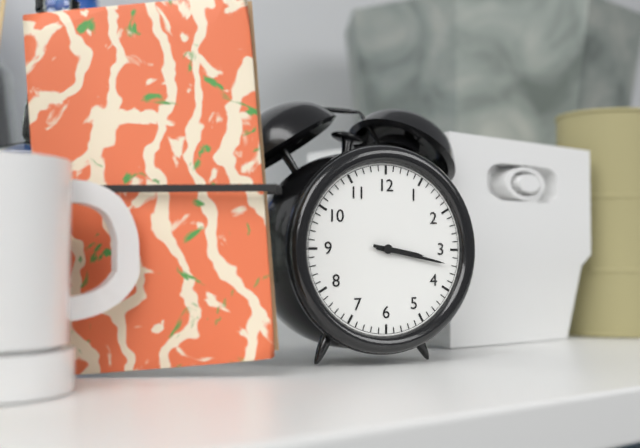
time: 3:17
